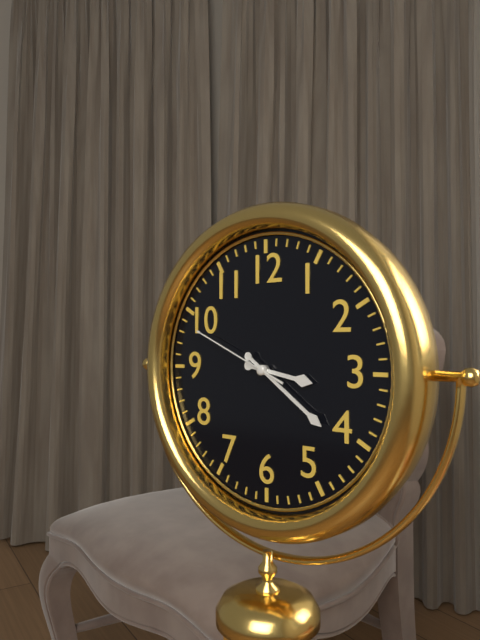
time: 3:21:49
